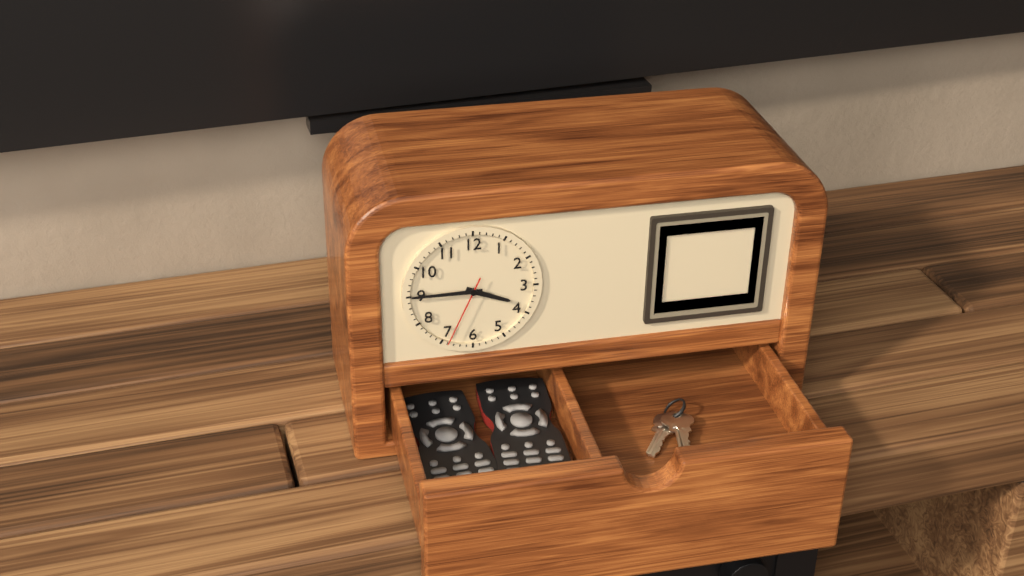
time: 3:45:34
